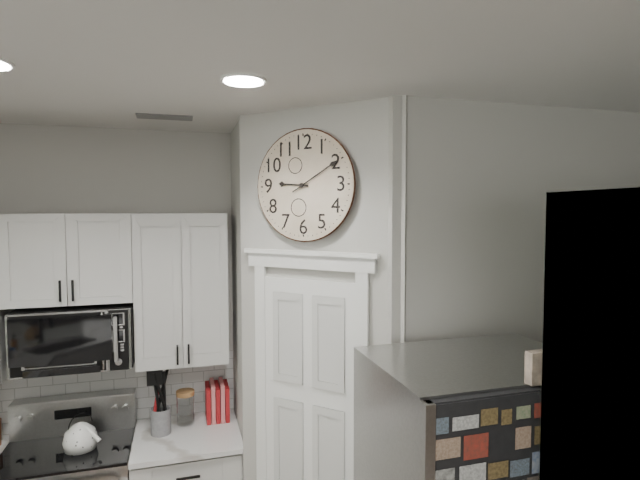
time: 9:10
